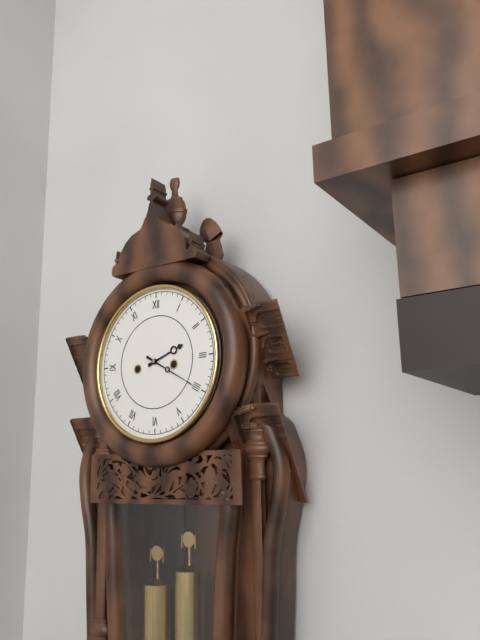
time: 2:20
